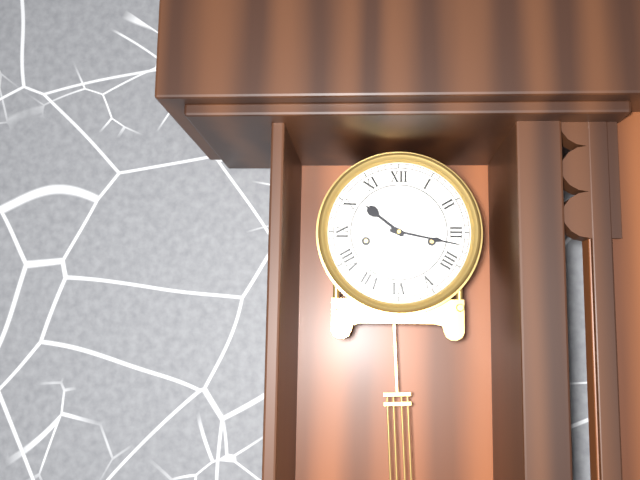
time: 10:17
